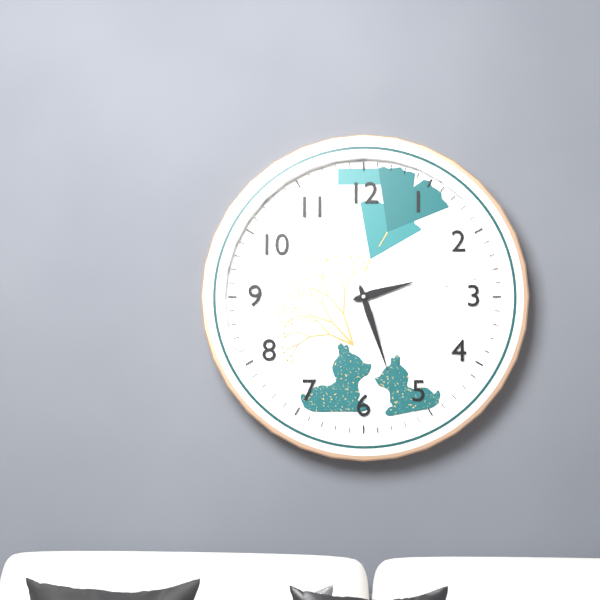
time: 2:27
